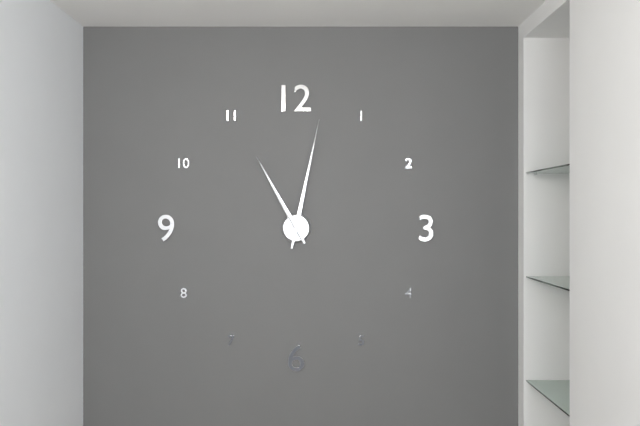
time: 11:02
